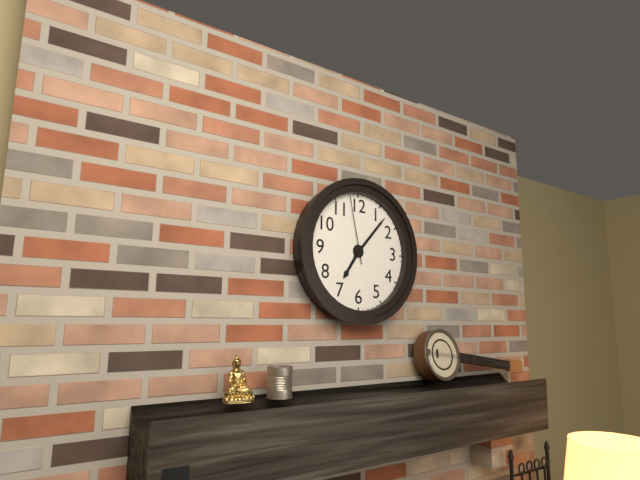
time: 7:07:58
